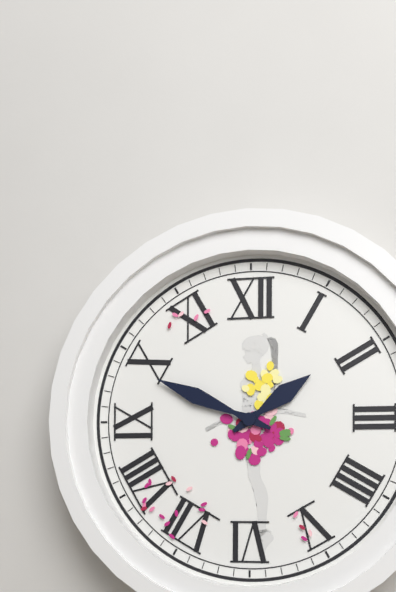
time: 1:49
